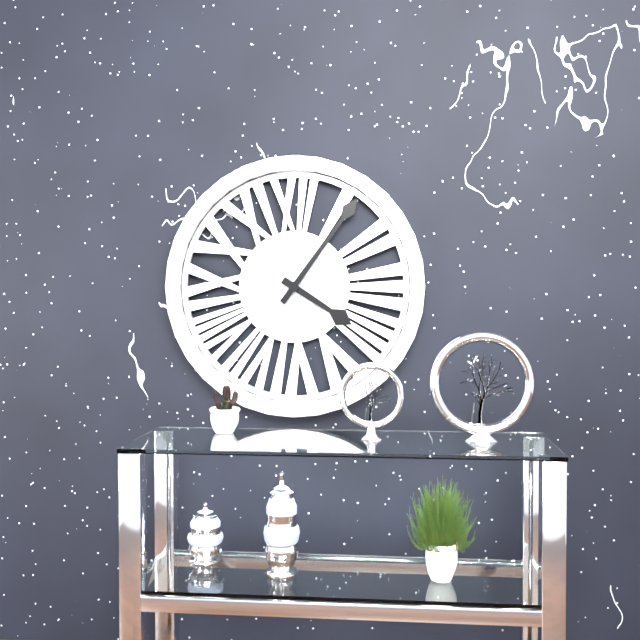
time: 4:06
